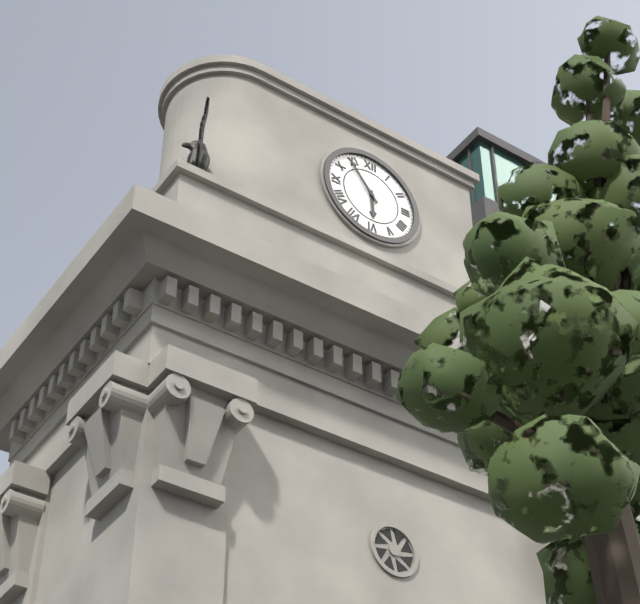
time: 5:54
